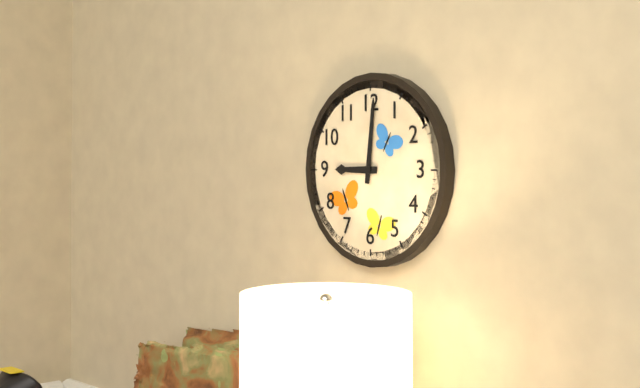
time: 9:01
